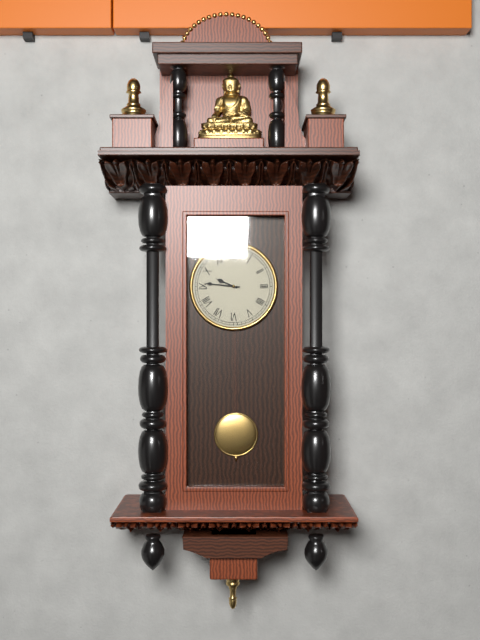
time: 9:46
